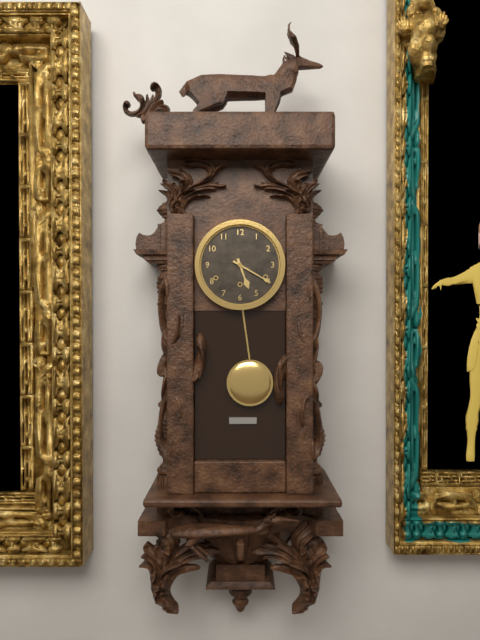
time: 5:20
